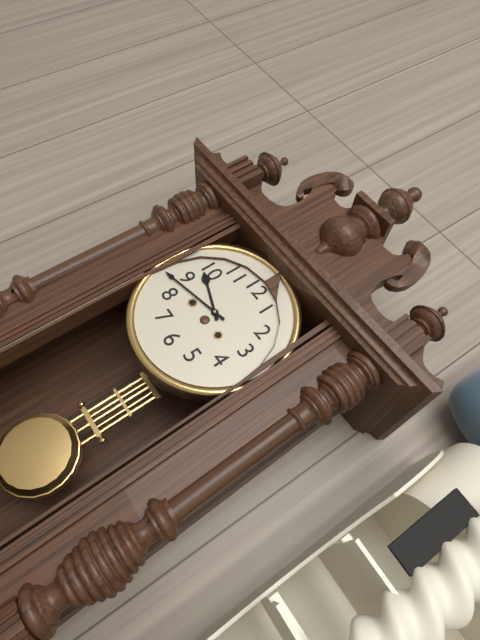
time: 9:43
